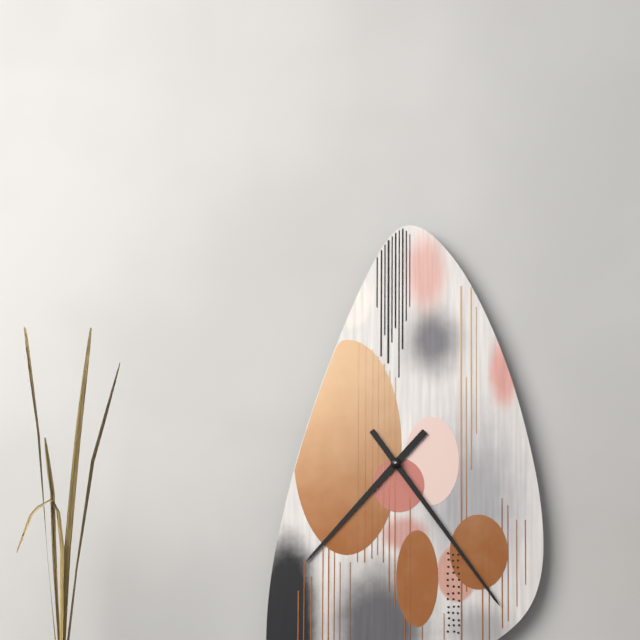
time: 7:24
